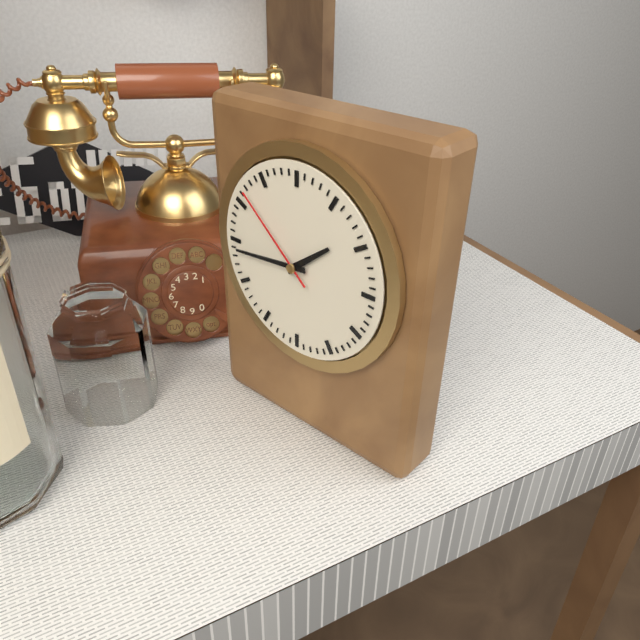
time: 1:44:52
